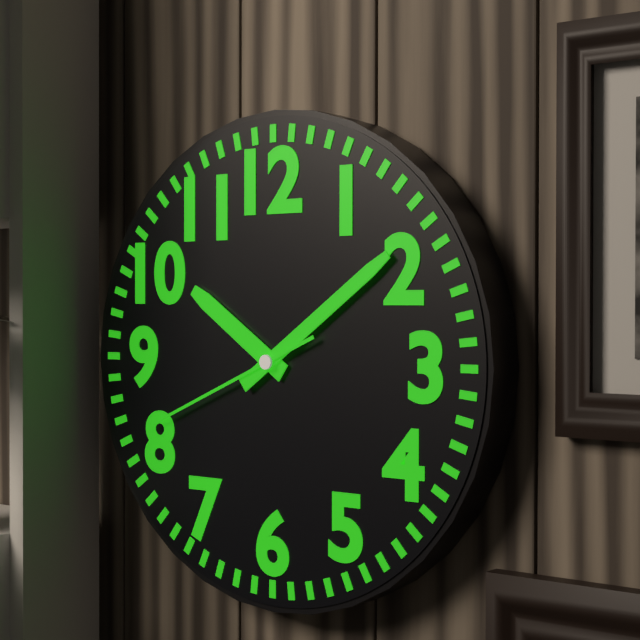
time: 10:09:41
